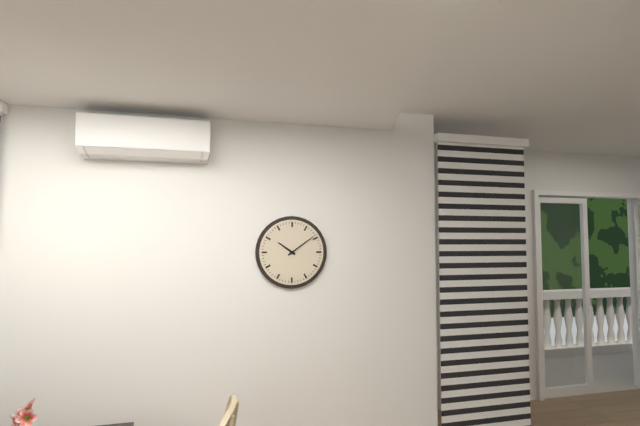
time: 10:09
